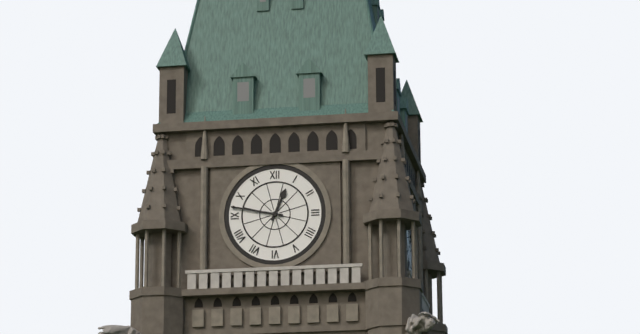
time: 12:47
